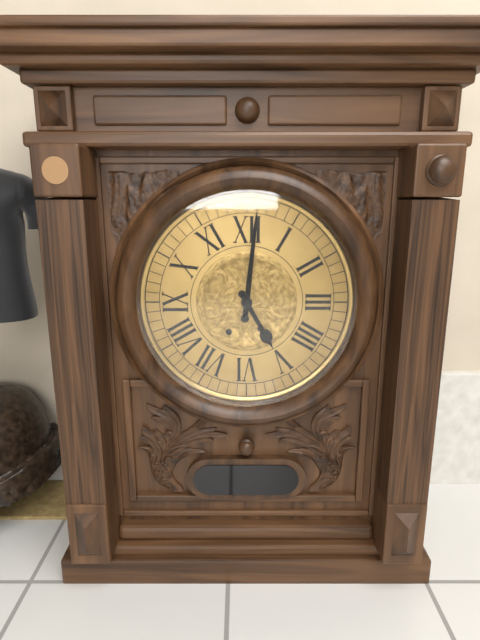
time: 5:01
